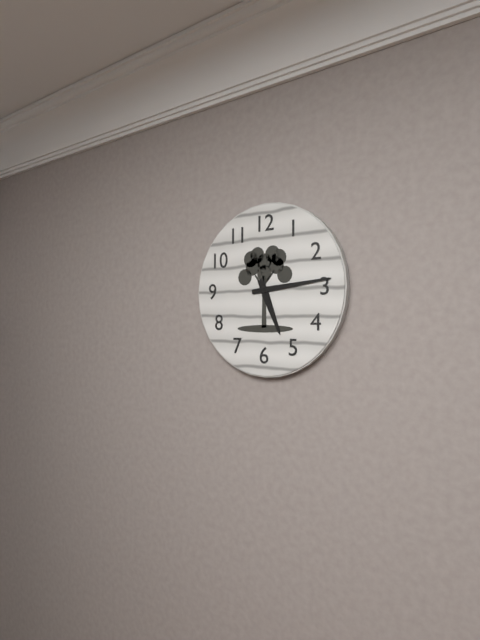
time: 5:14
